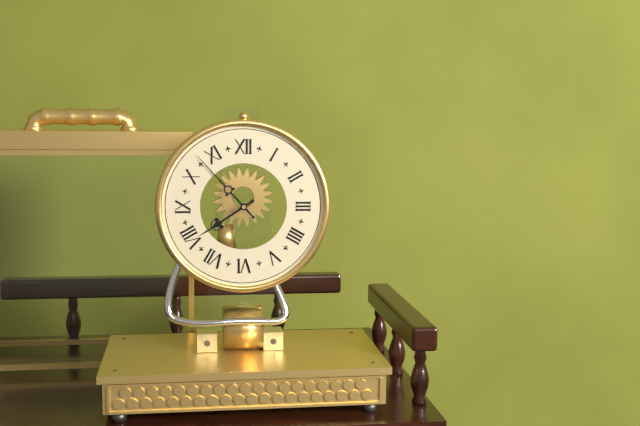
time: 7:53
